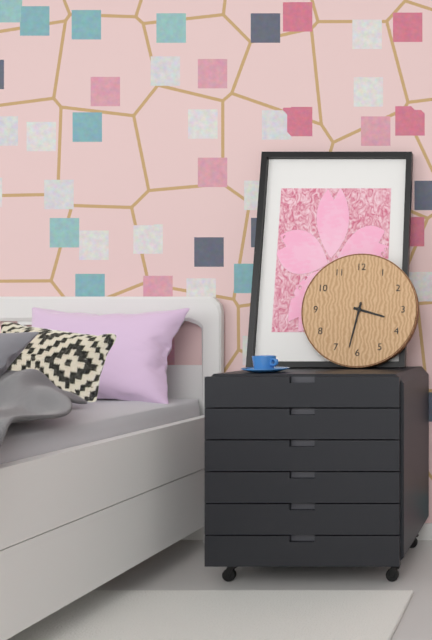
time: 3:32
